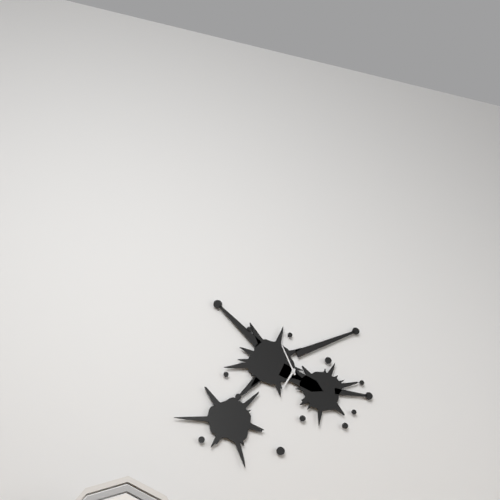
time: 6:56
